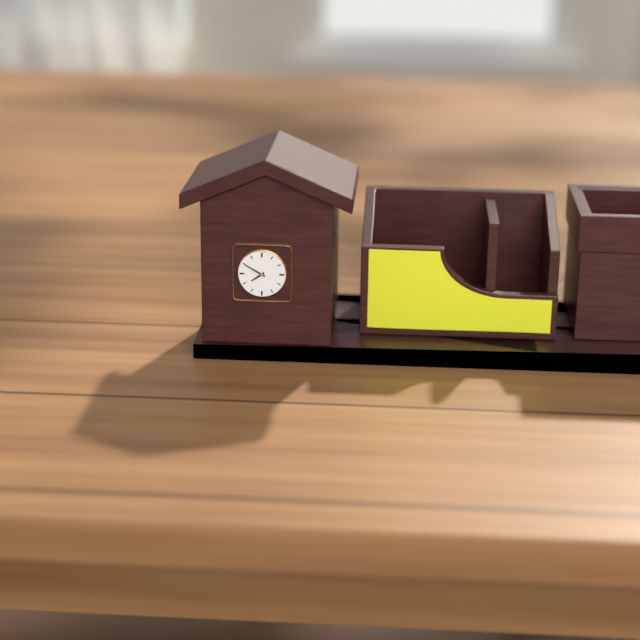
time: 7:50
